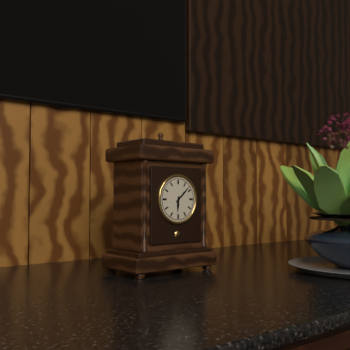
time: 6:08
